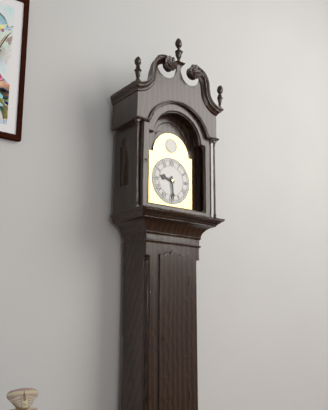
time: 9:29
